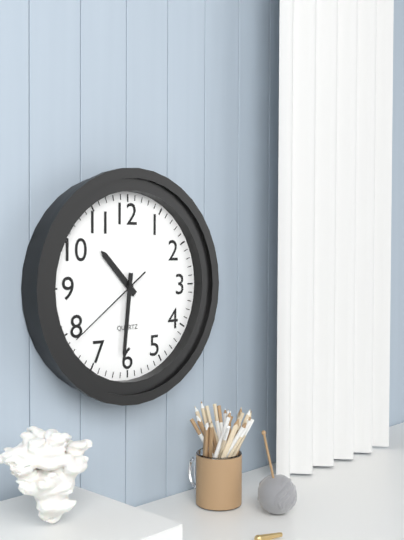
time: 10:31:39
